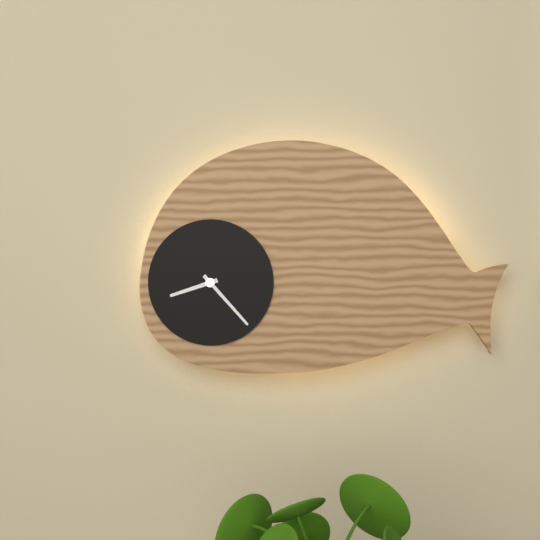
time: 8:23
